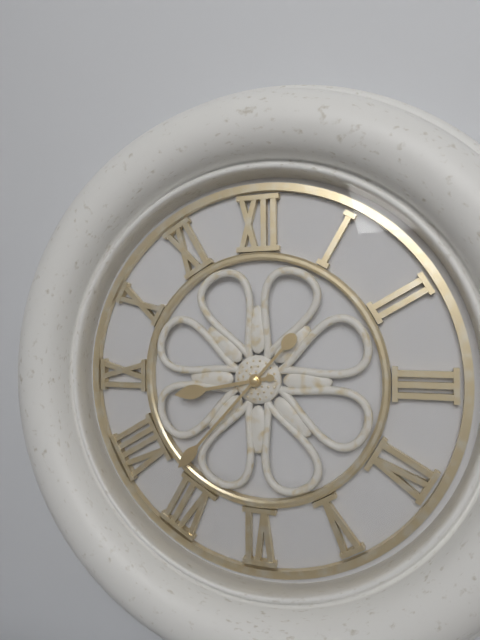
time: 8:37
